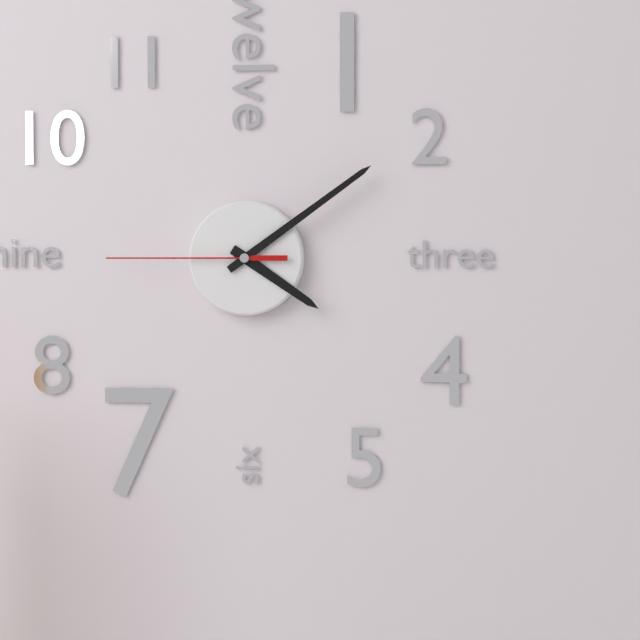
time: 4:09:45
